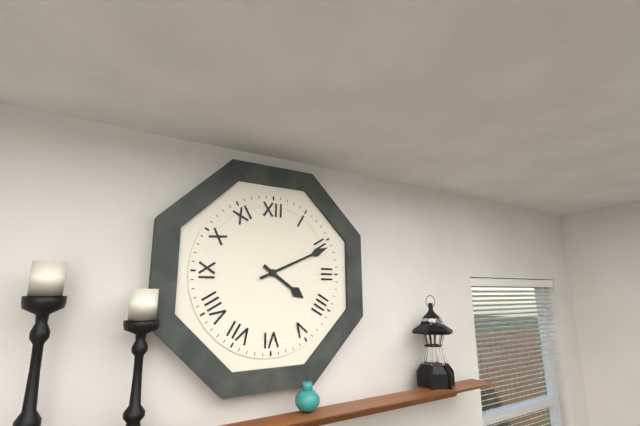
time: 4:11
